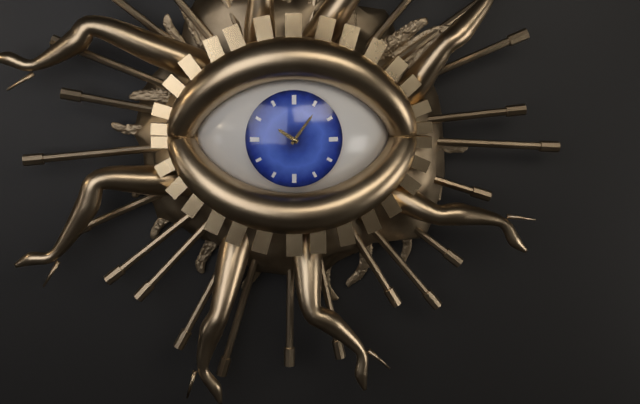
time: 10:06
